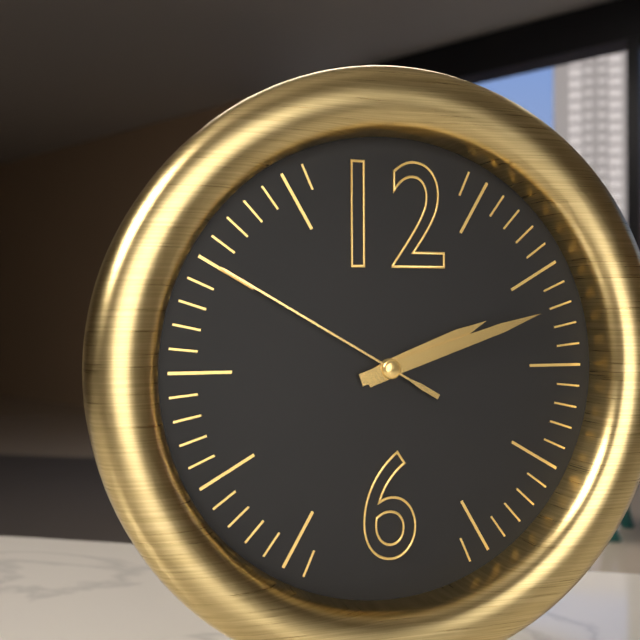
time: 2:12:50
